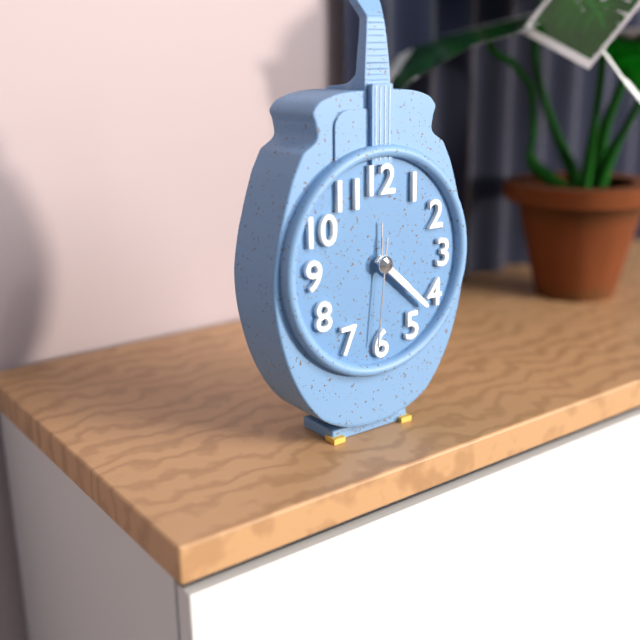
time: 4:22:31
